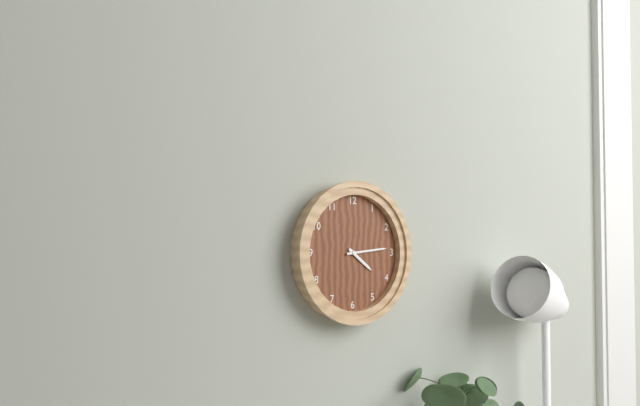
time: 4:14
